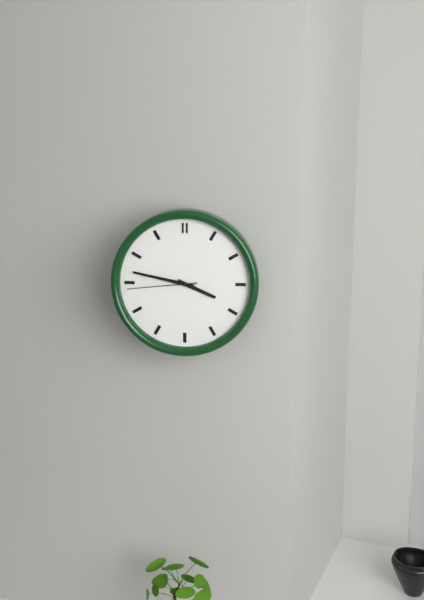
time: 3:47:44
